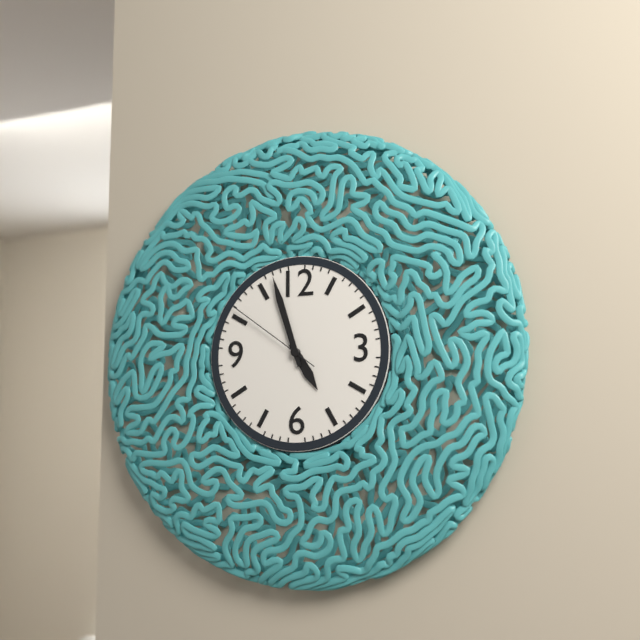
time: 4:57:51
